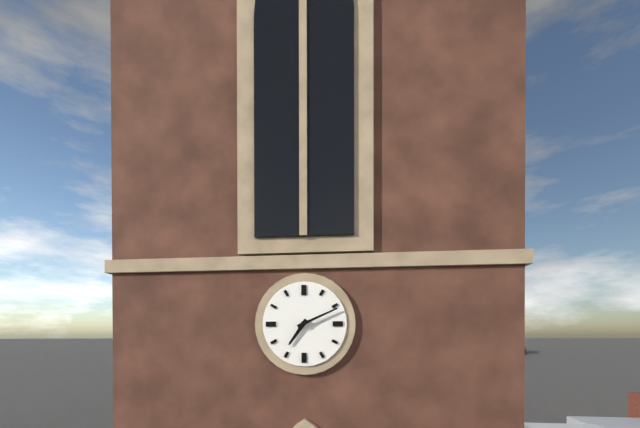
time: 7:11
